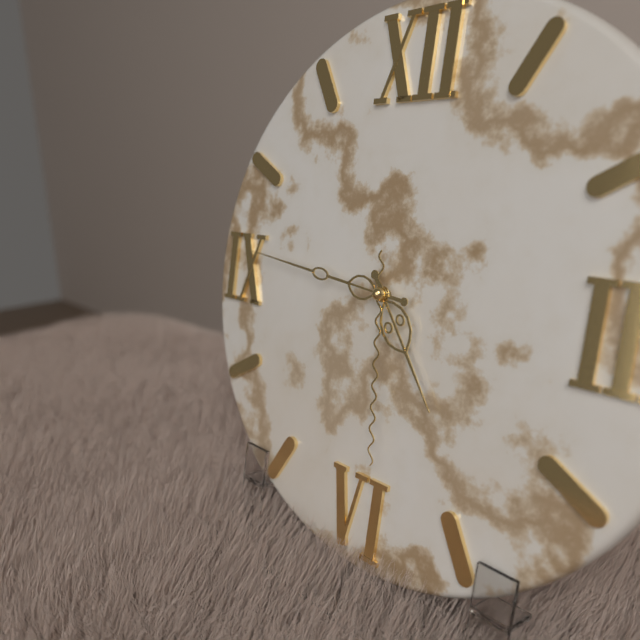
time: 4:46:29
